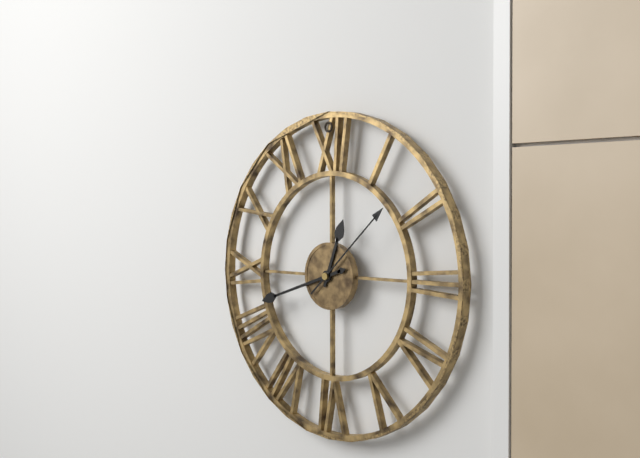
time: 12:42:08
